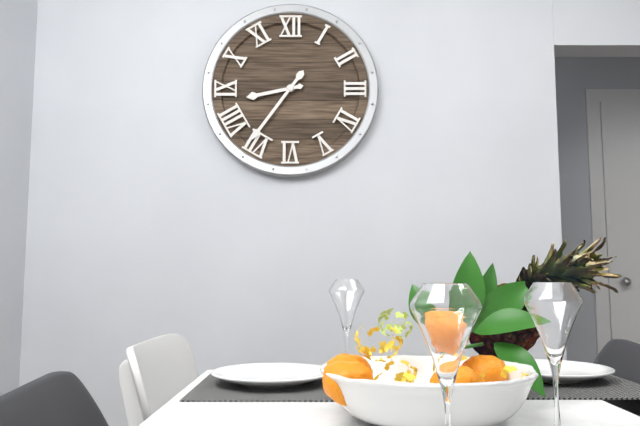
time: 8:36
